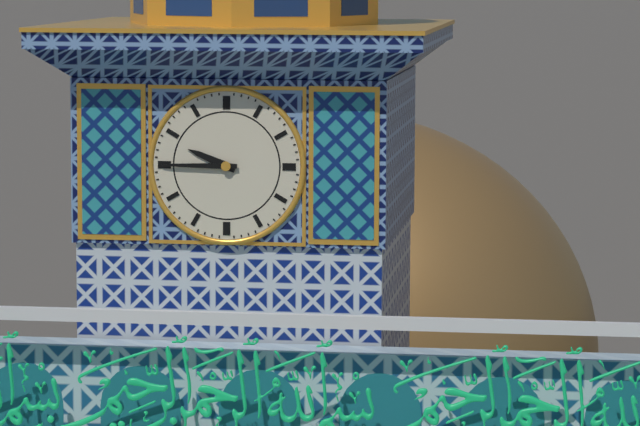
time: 9:45
